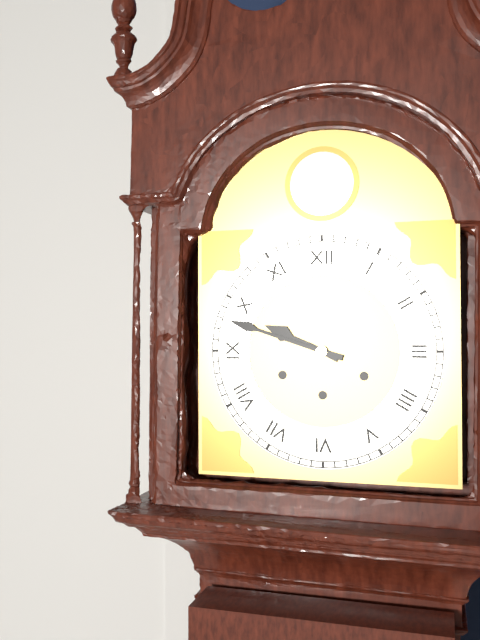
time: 9:48
